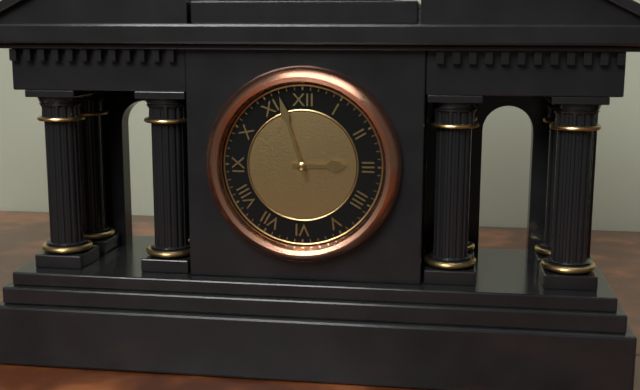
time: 2:57
